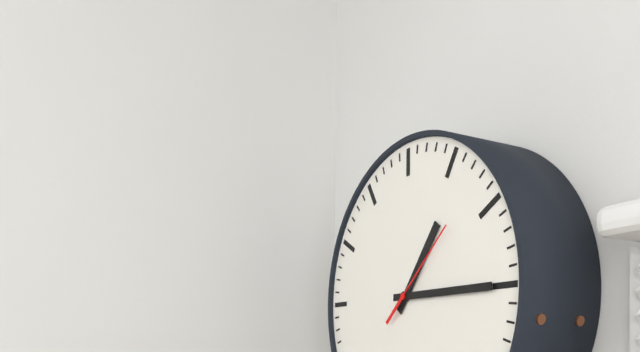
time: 1:15:08
